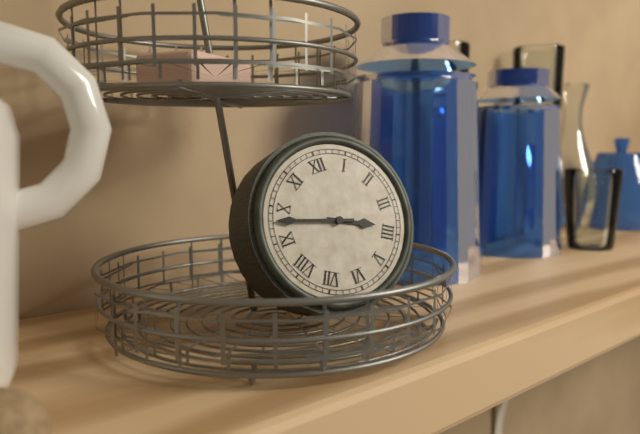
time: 3:48
